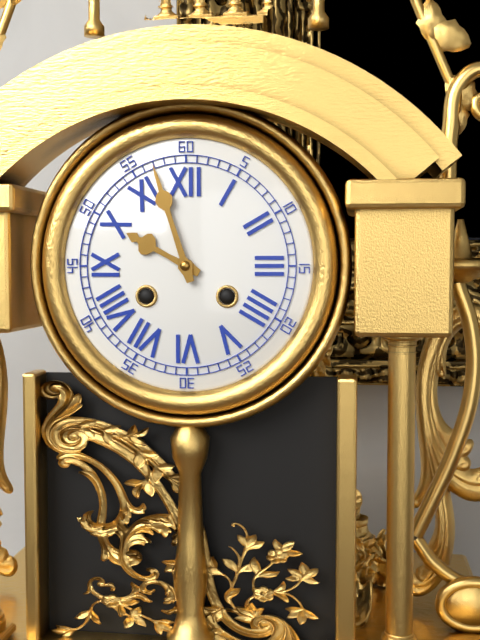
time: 9:57
